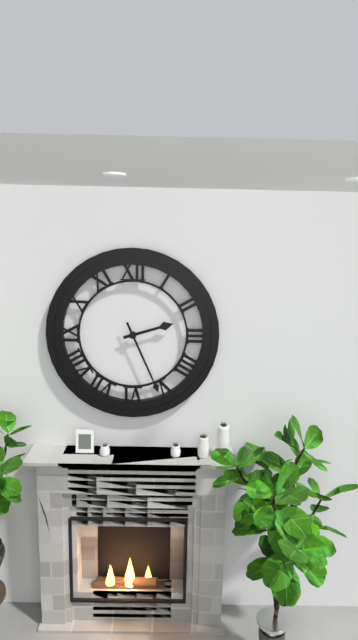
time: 2:26
